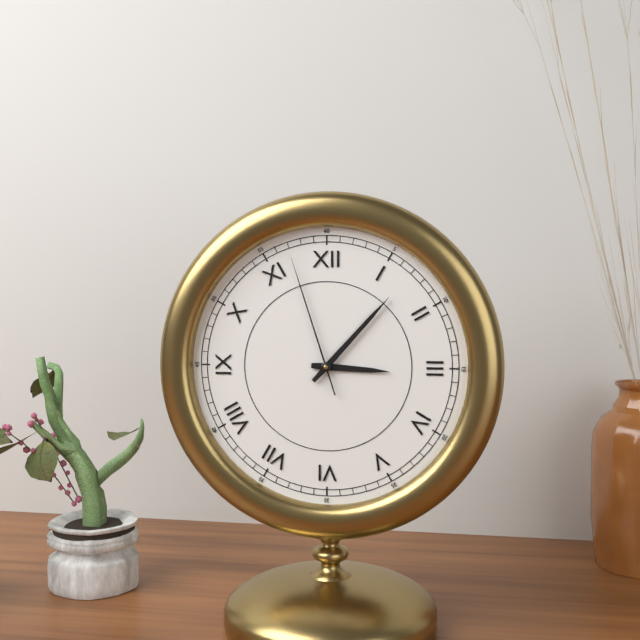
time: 3:07:57
